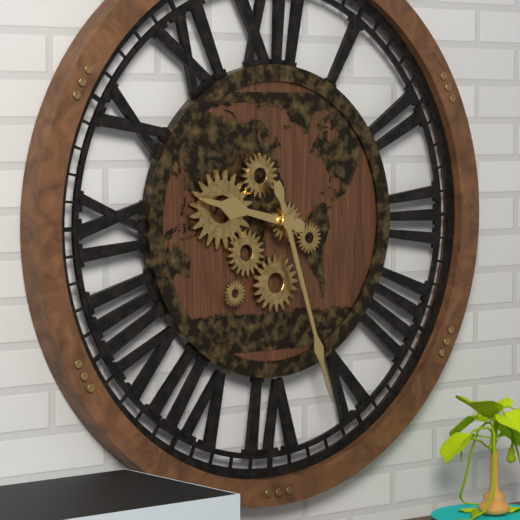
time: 9:27
